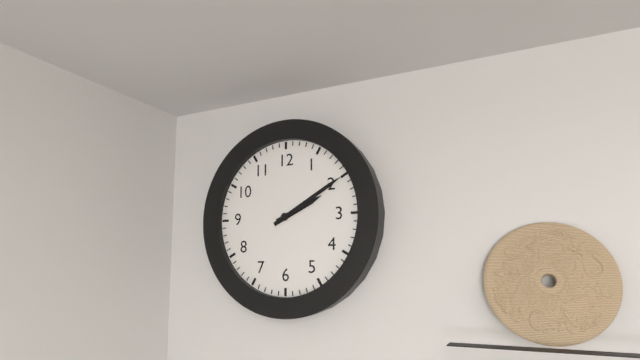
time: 2:10
